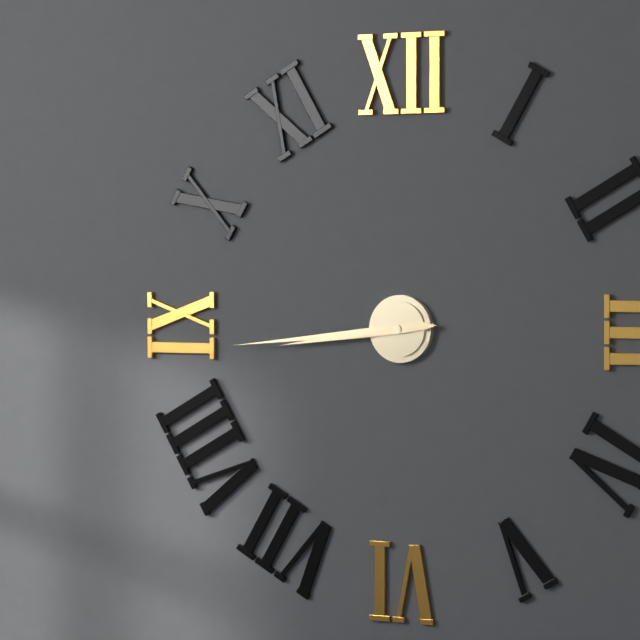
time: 8:44
